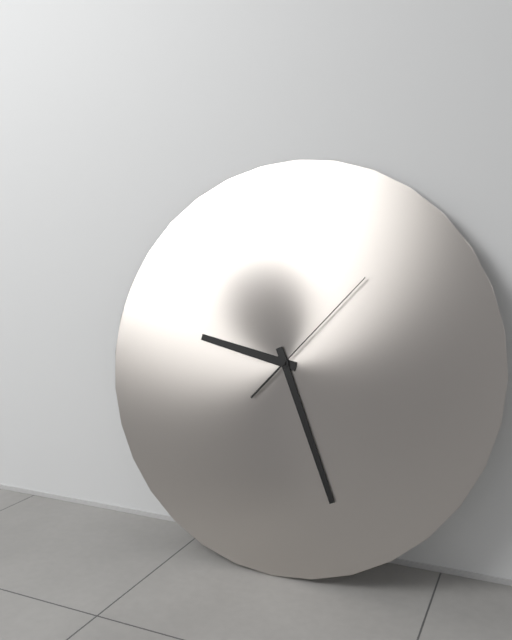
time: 9:26:07
